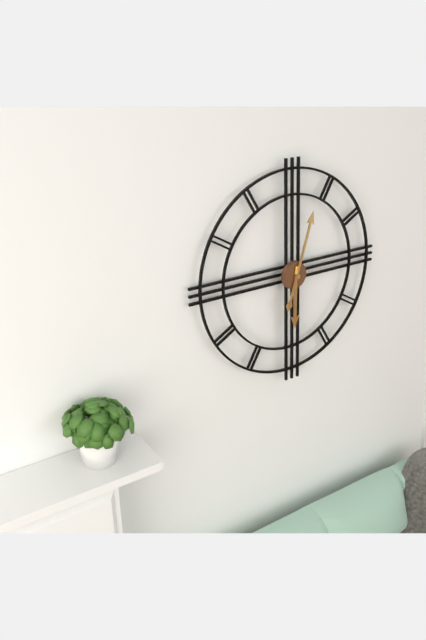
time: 6:03
